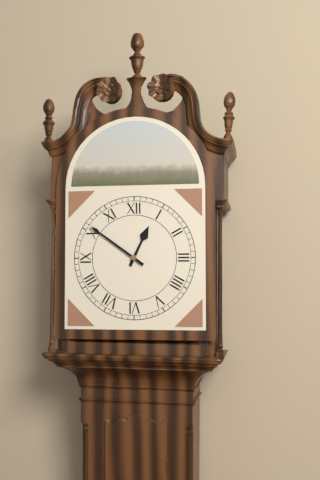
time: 12:51
